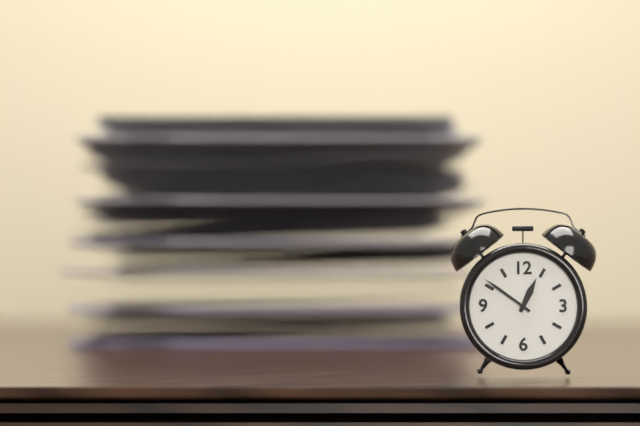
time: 12:51
